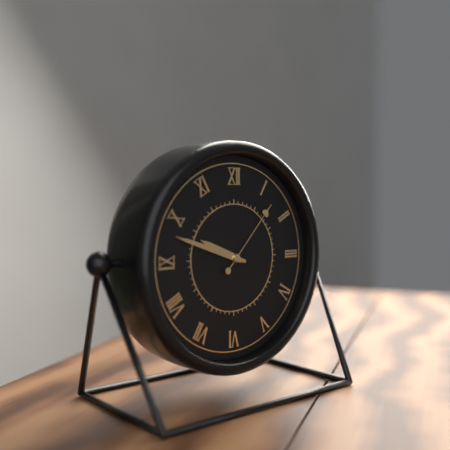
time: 9:48:07
